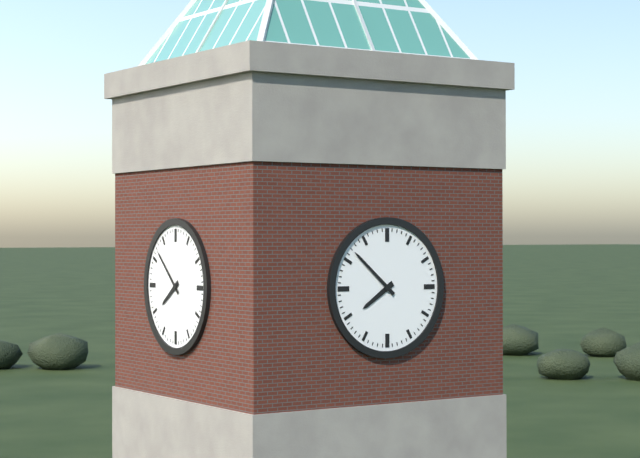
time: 7:52
